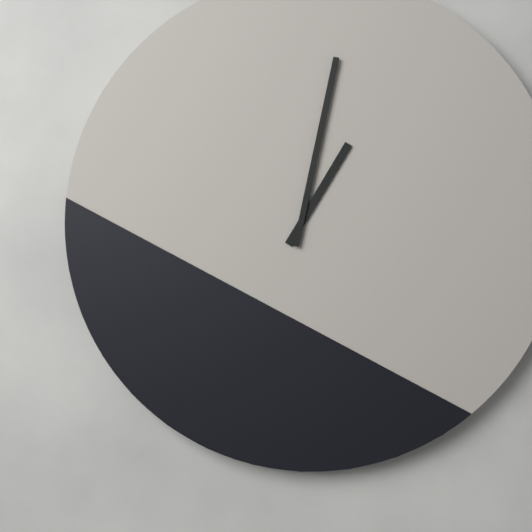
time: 1:02
